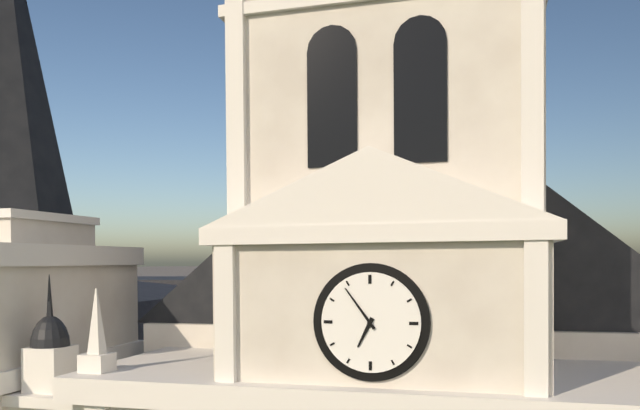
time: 6:54
